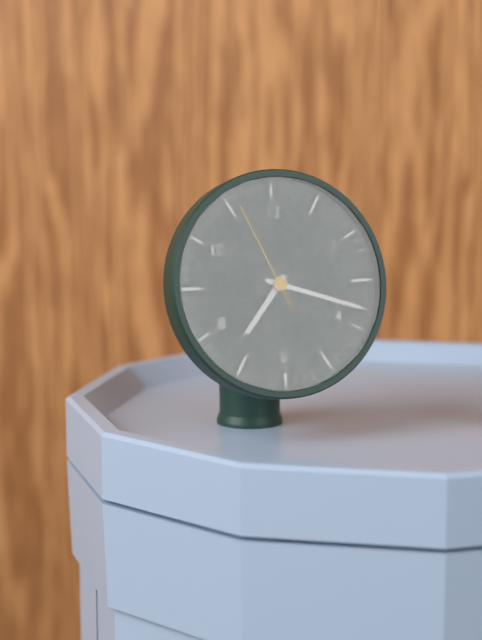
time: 7:18:56
